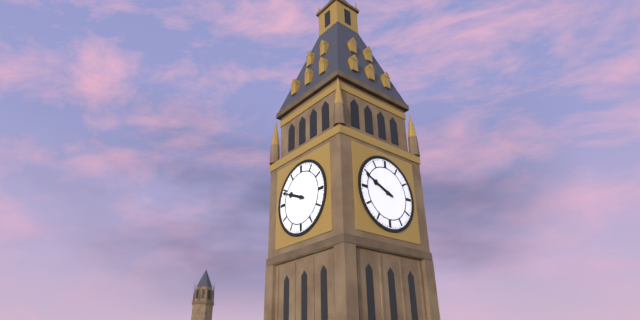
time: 9:49
